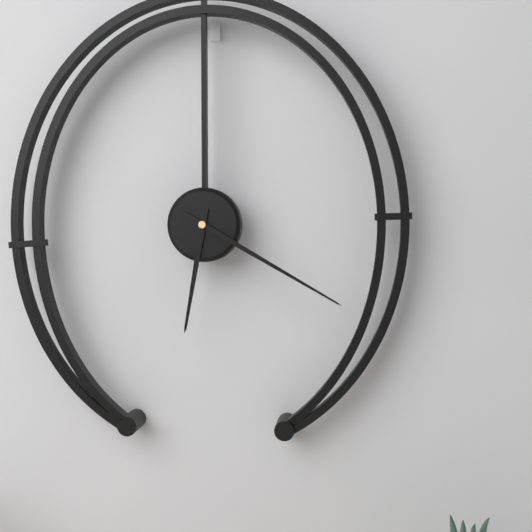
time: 6:20
